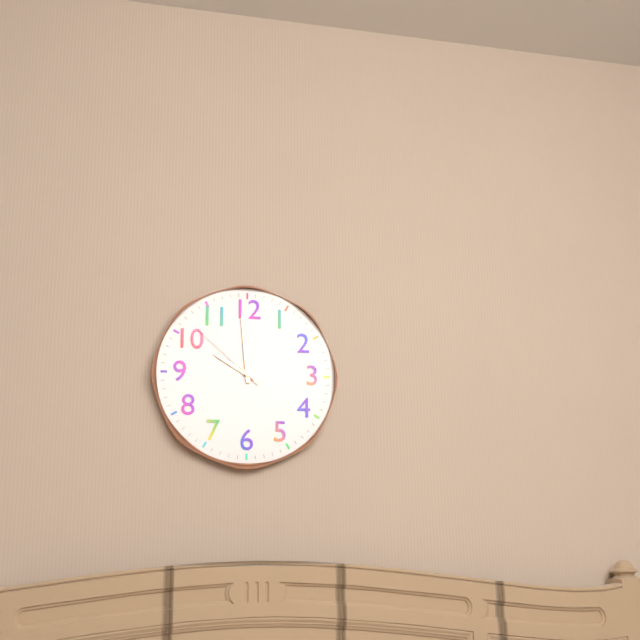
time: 9:59:52
